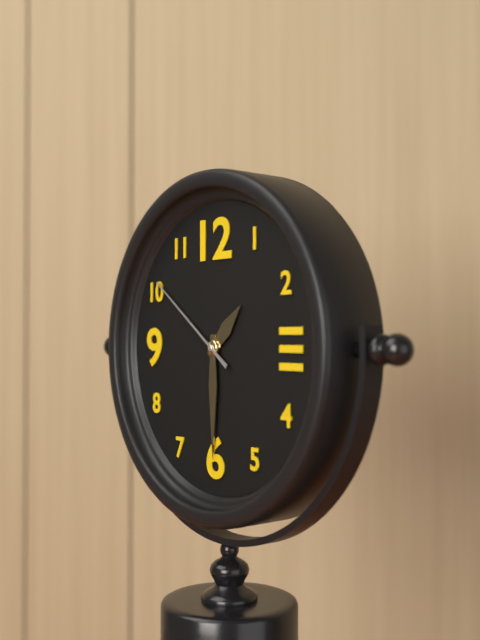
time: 1:30:51
